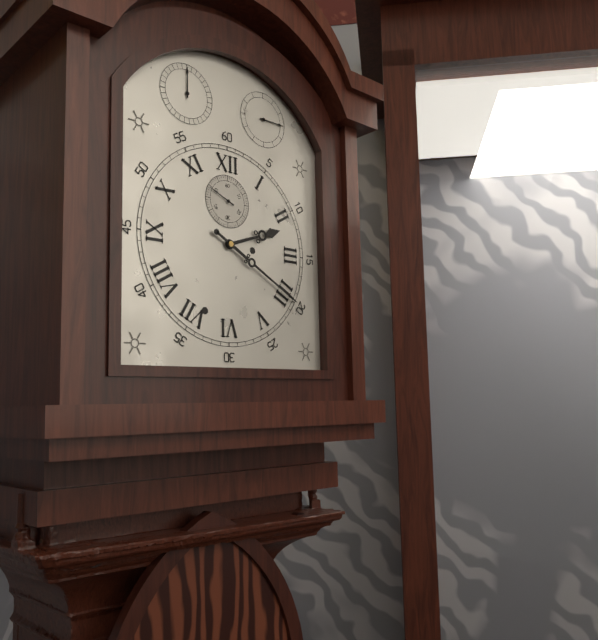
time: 2:20
